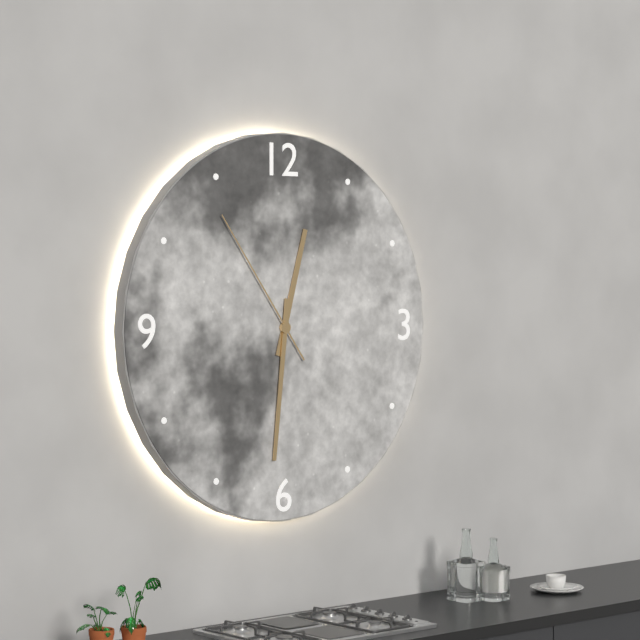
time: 12:31:54
